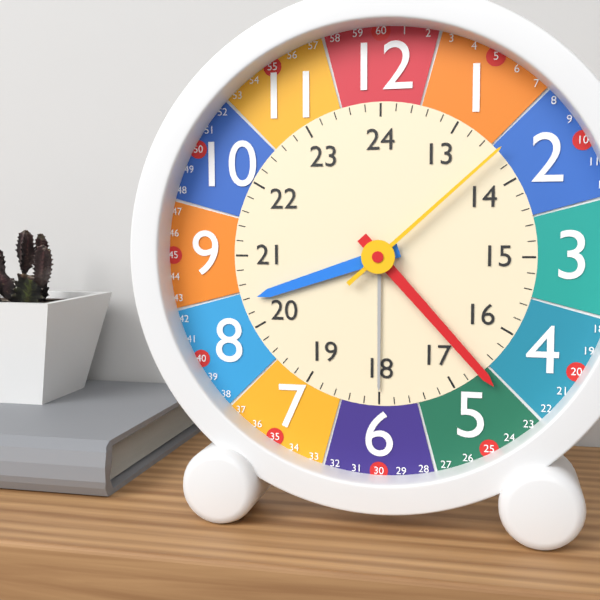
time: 8:23:08
